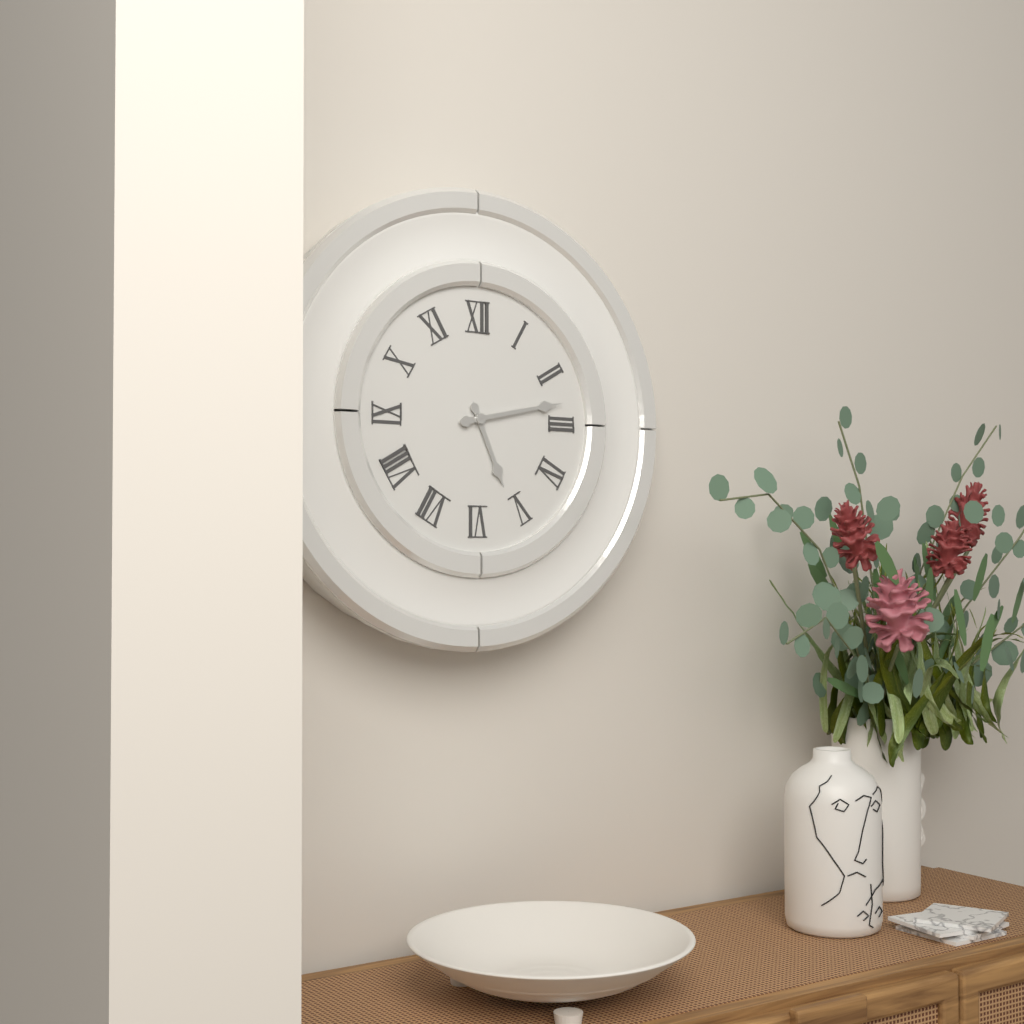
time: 5:13
